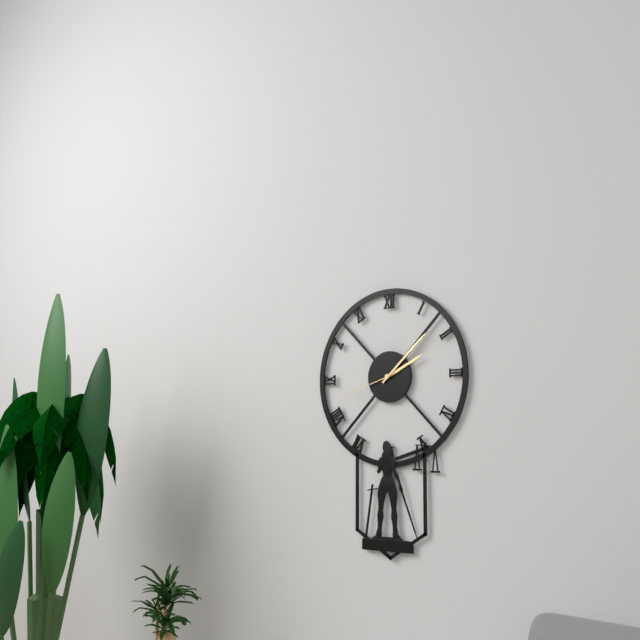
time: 2:08:42
